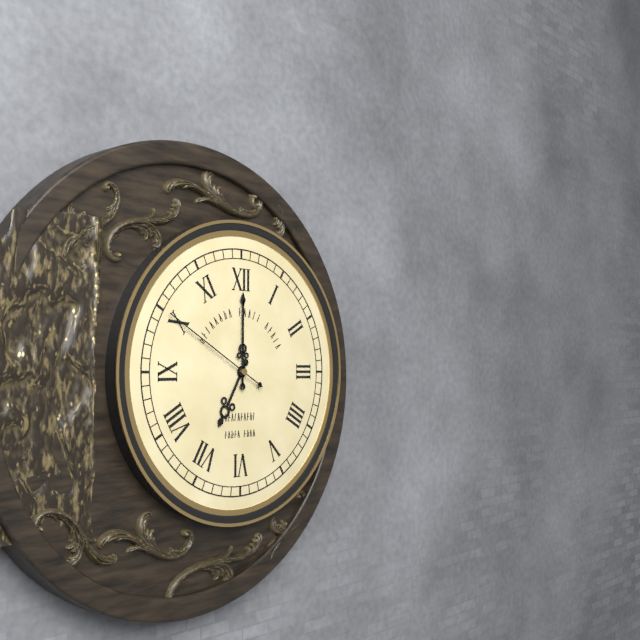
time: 7:00:50
